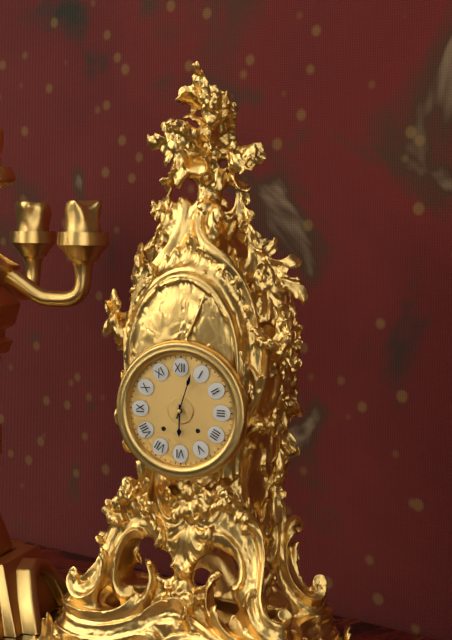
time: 6:03
